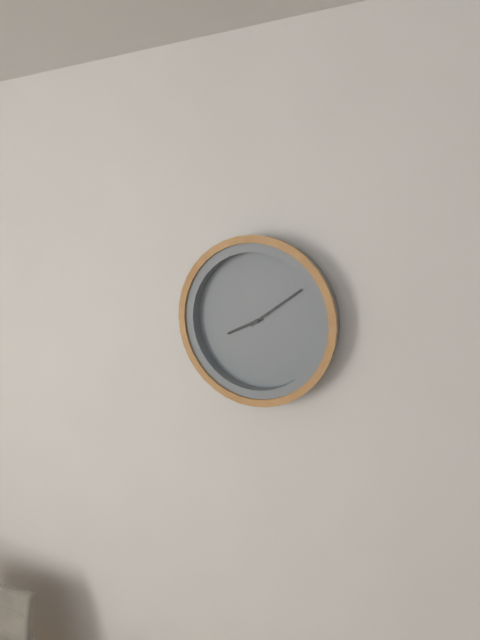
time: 8:09
